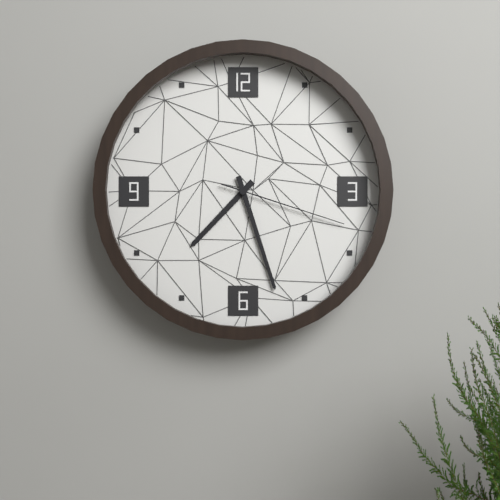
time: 7:27:18
